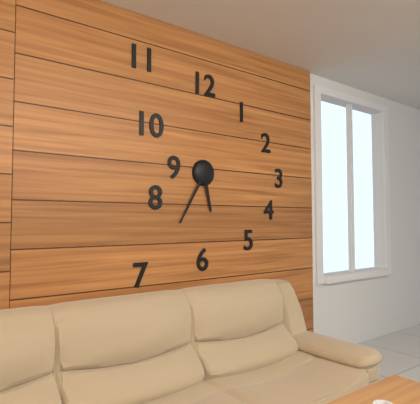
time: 5:35
